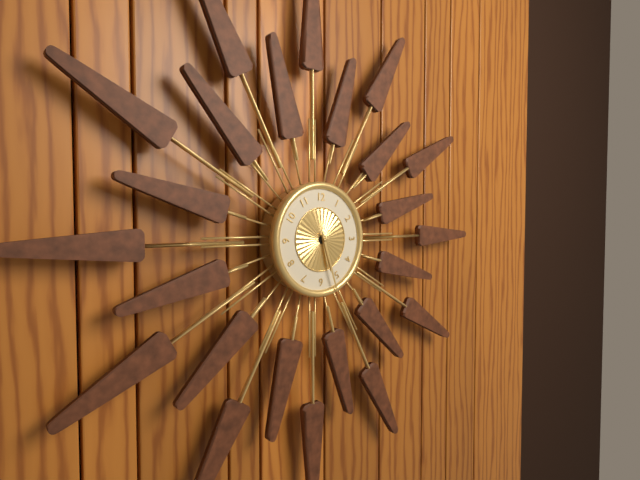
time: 5:27
